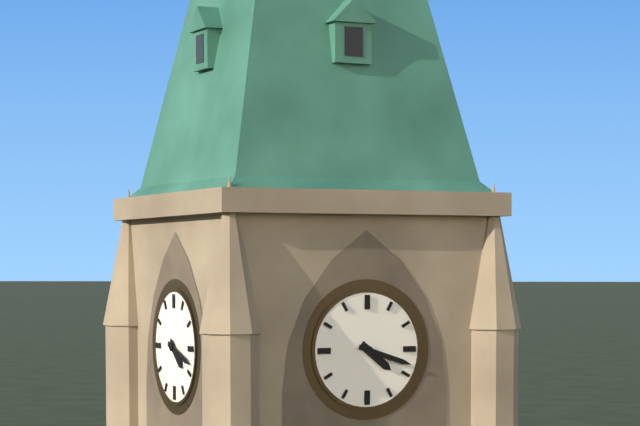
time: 4:18
